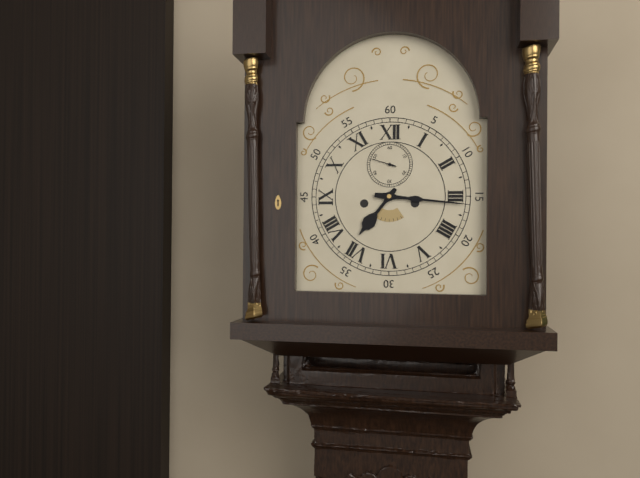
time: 7:16
